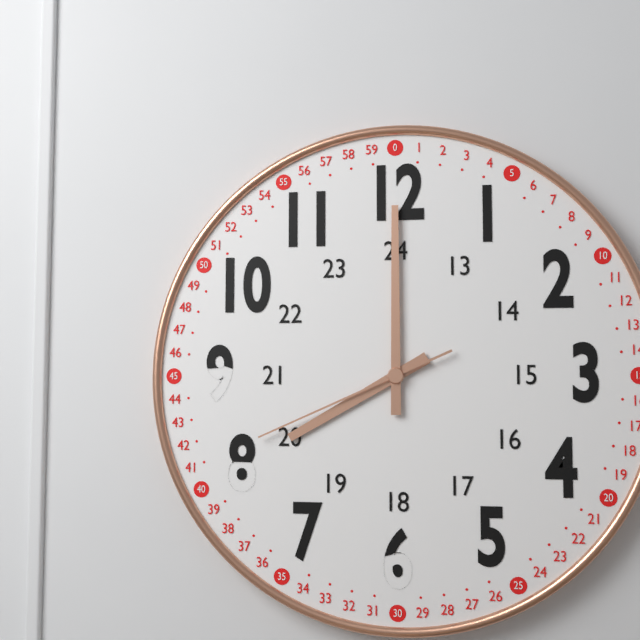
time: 8:00:41
